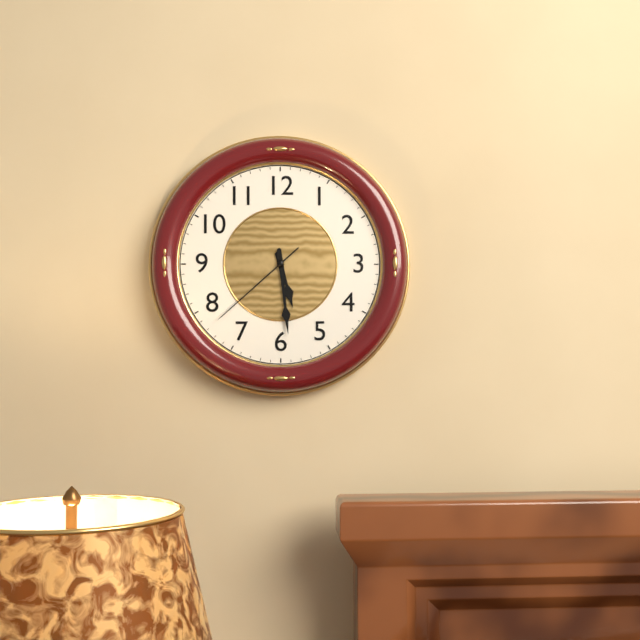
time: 5:29:38
